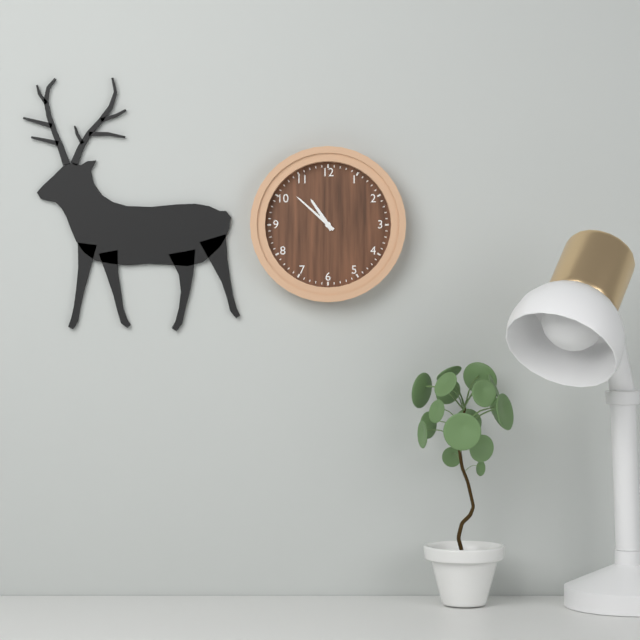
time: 10:52
